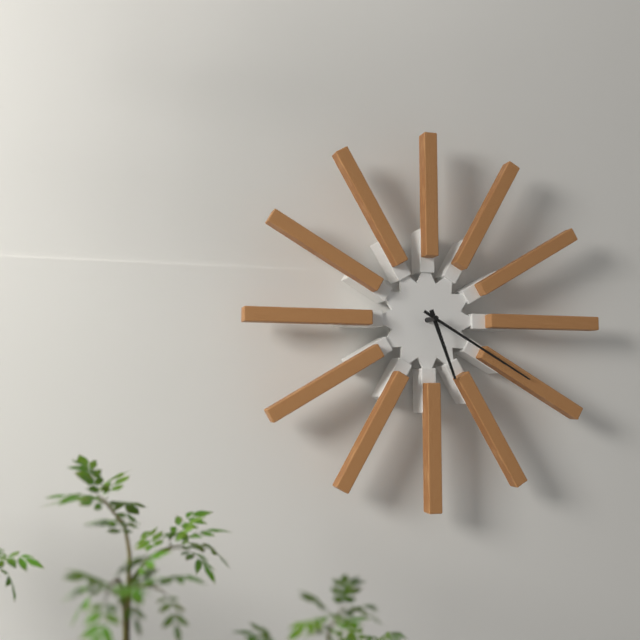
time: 5:20
